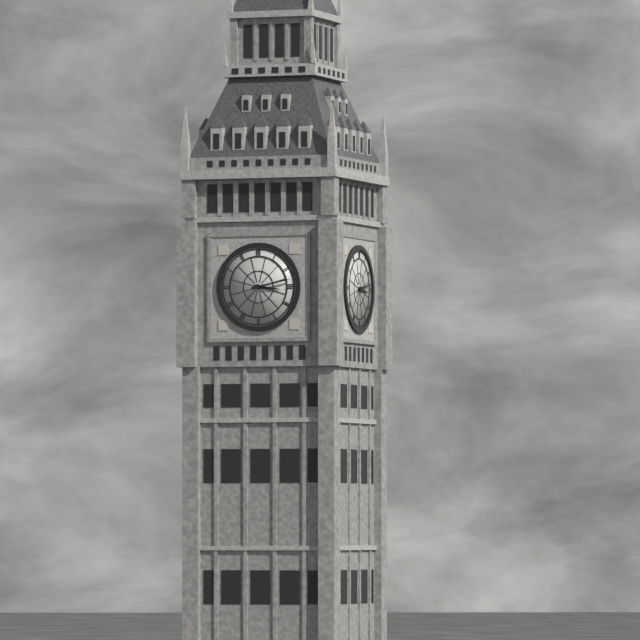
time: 3:13
